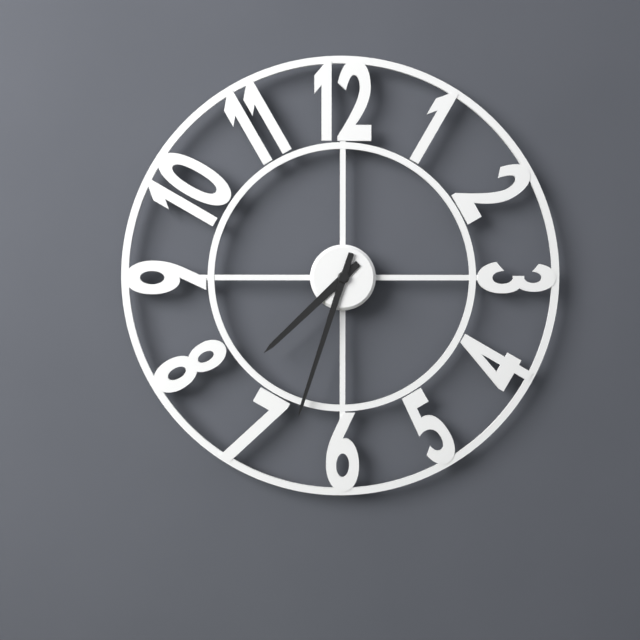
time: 7:33
